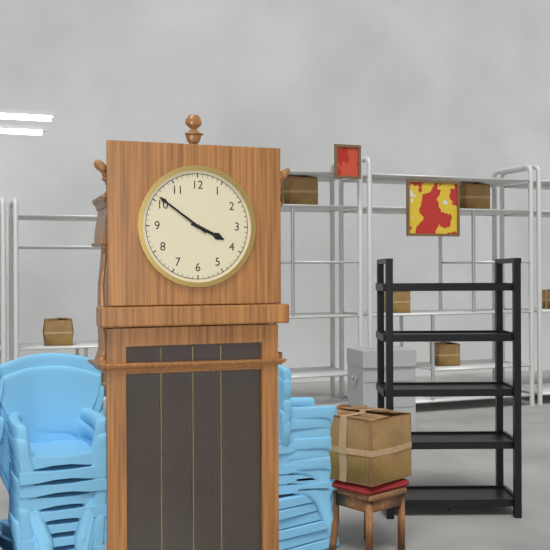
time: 3:51
